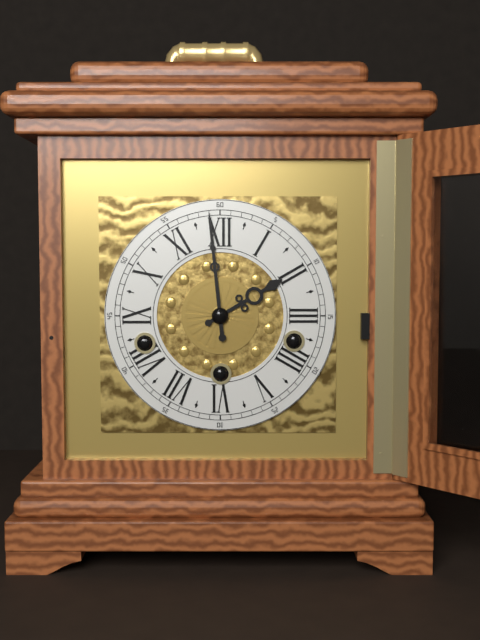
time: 1:59
